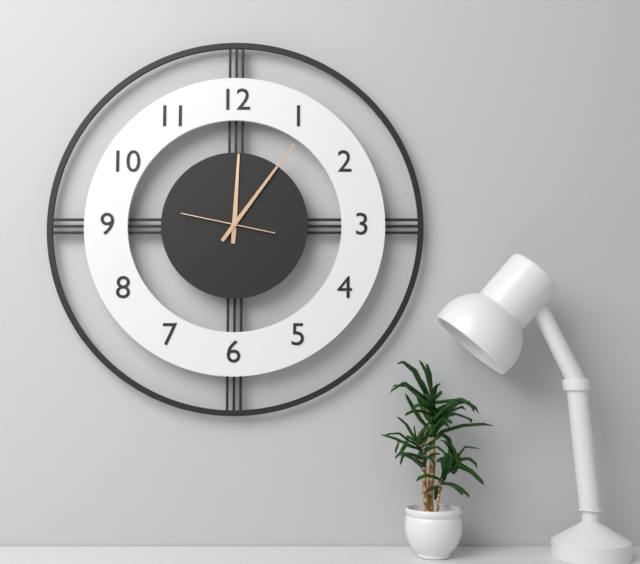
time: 12:06:47
